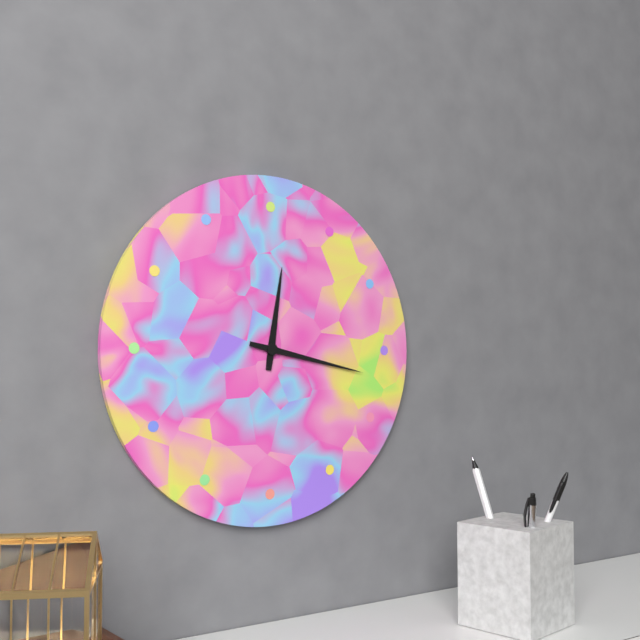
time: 12:17
